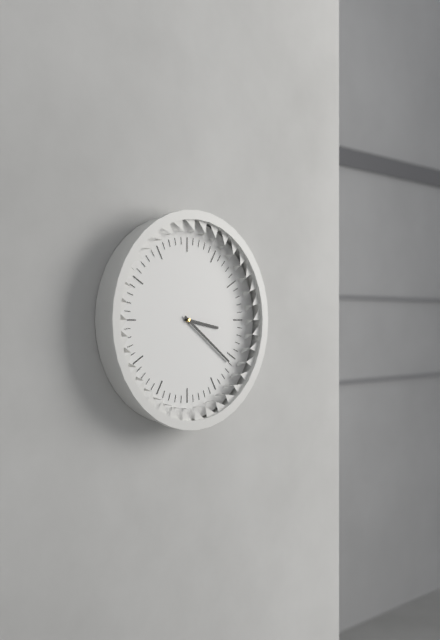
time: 3:21
